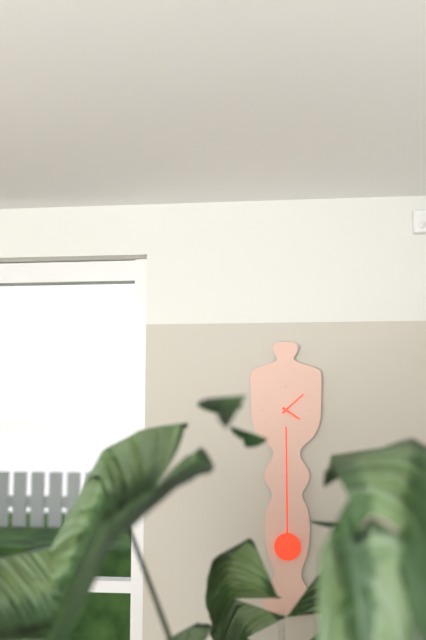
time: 4:08
